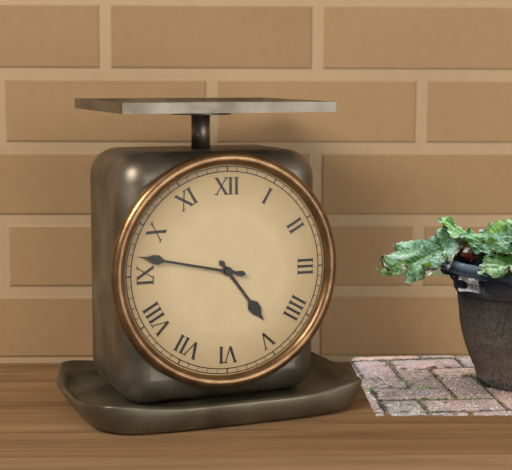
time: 4:47
